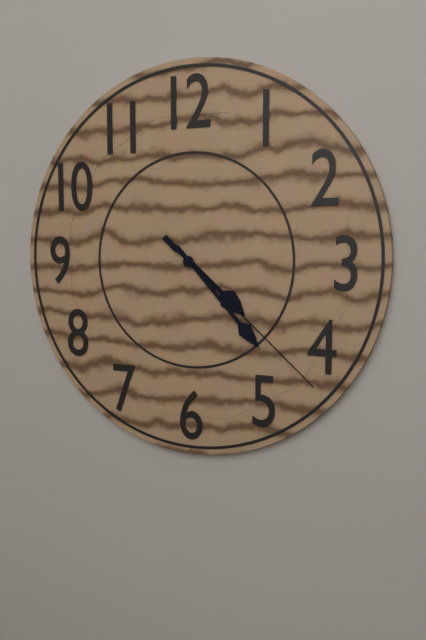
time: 4:23:22
